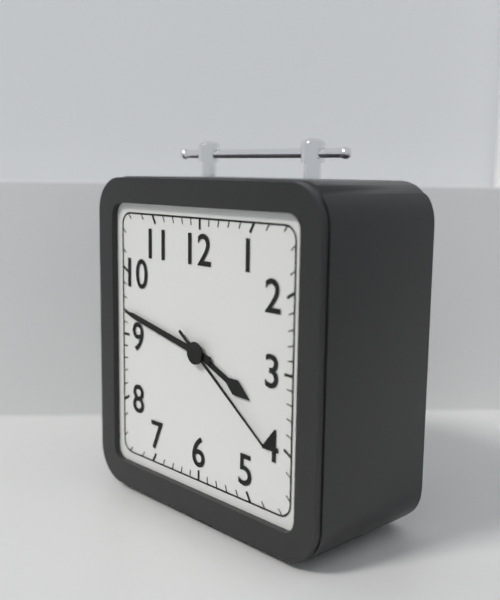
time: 3:47:21
